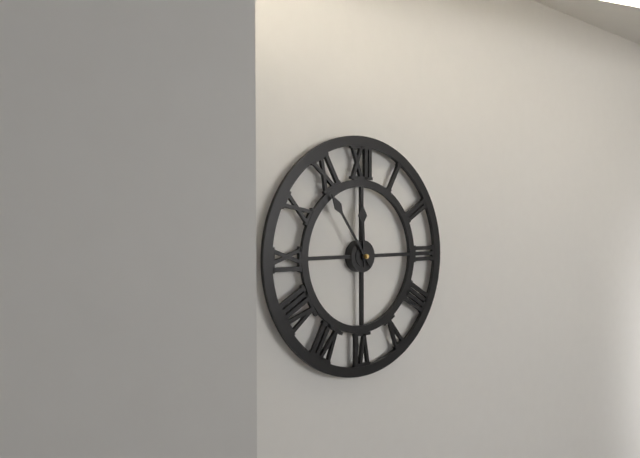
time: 11:54
